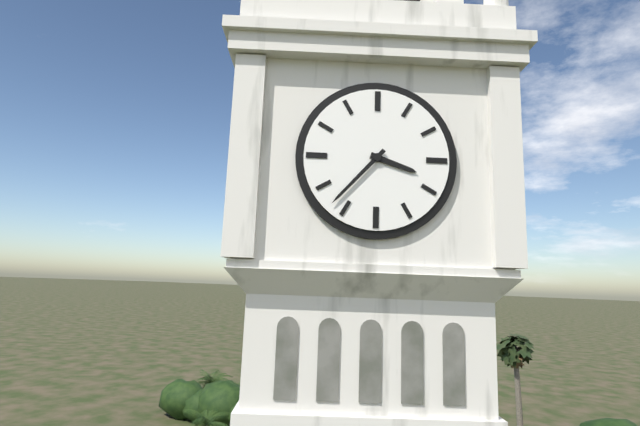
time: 3:37
